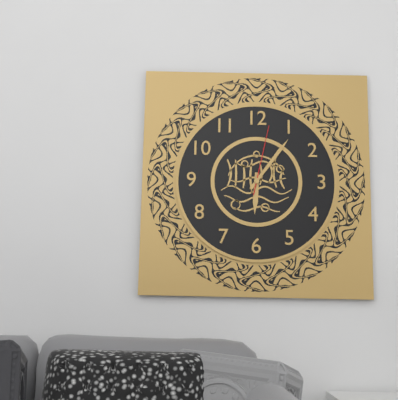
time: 6:06:02
